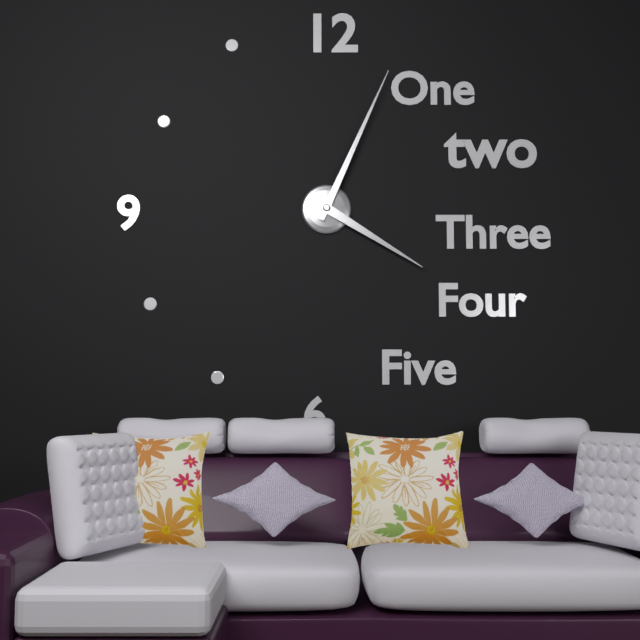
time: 4:04
